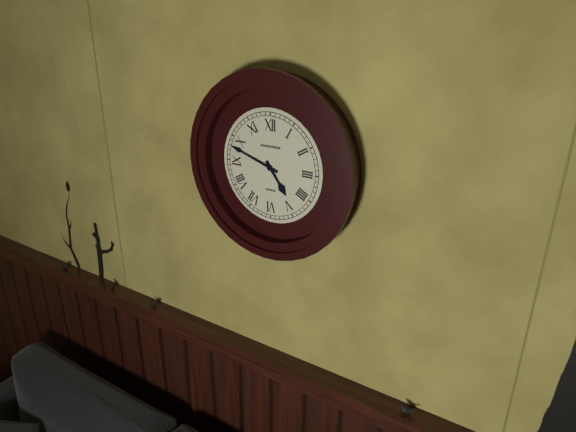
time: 4:48
